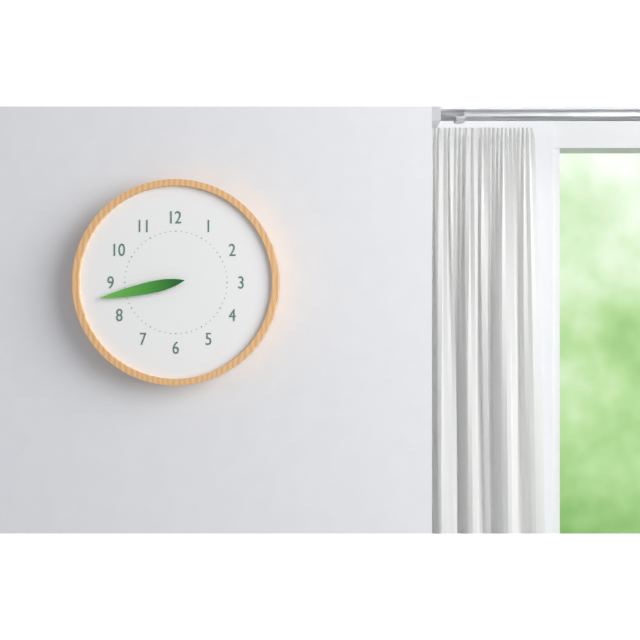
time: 8:43
